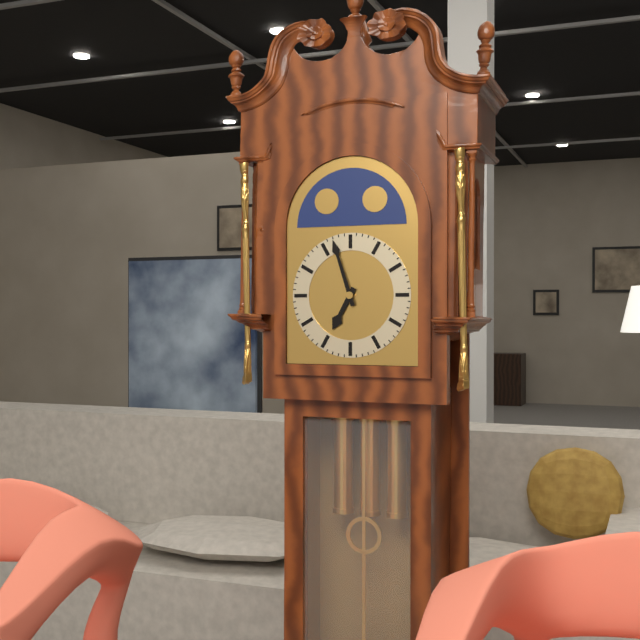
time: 6:57
